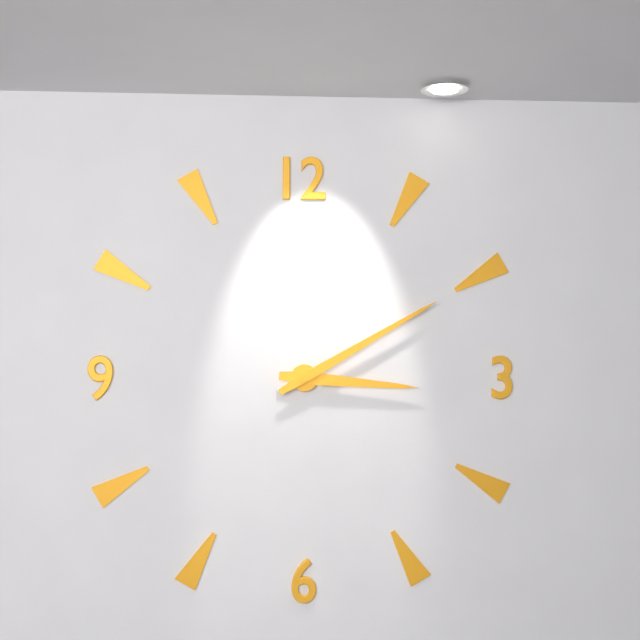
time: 3:10
